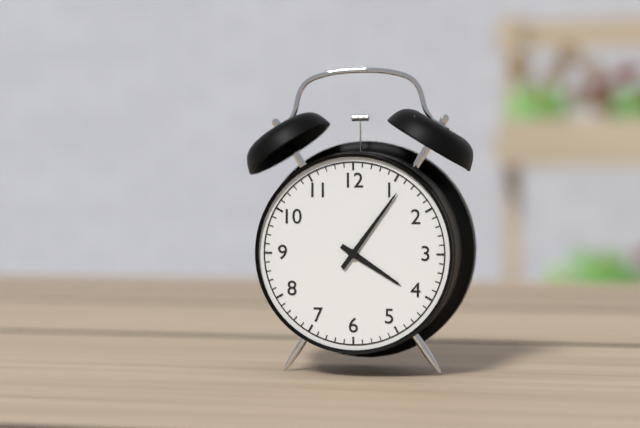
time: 4:06
